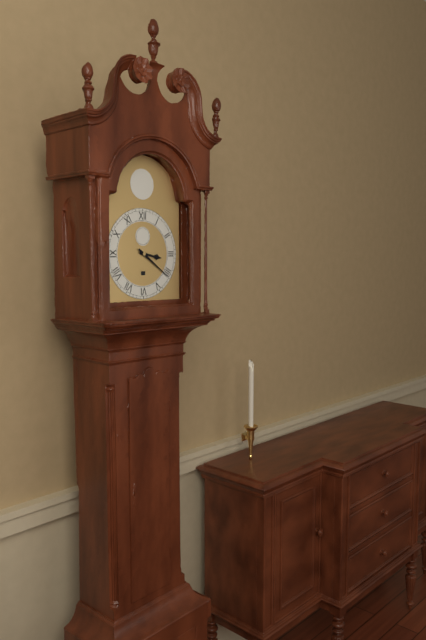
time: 3:21
